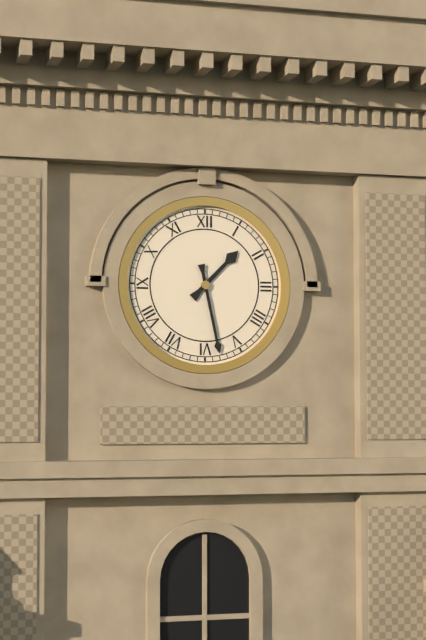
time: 1:28
